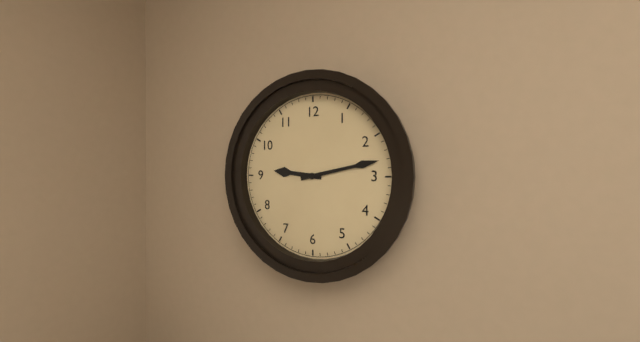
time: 9:13
